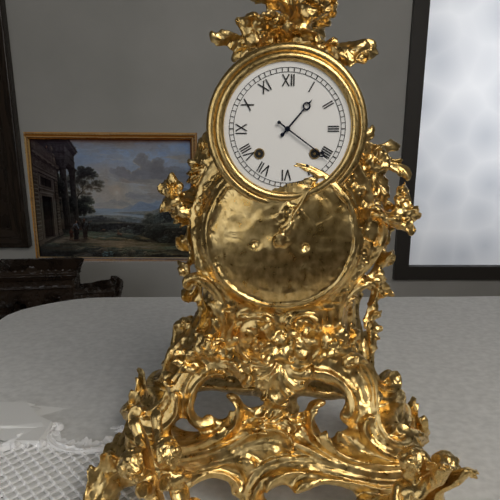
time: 1:21
